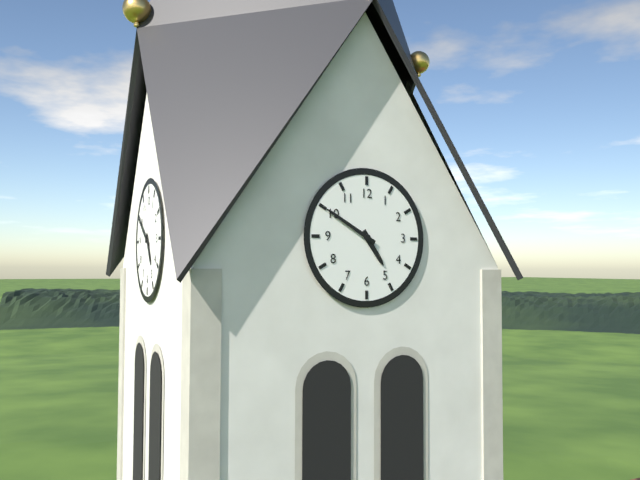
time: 4:50
